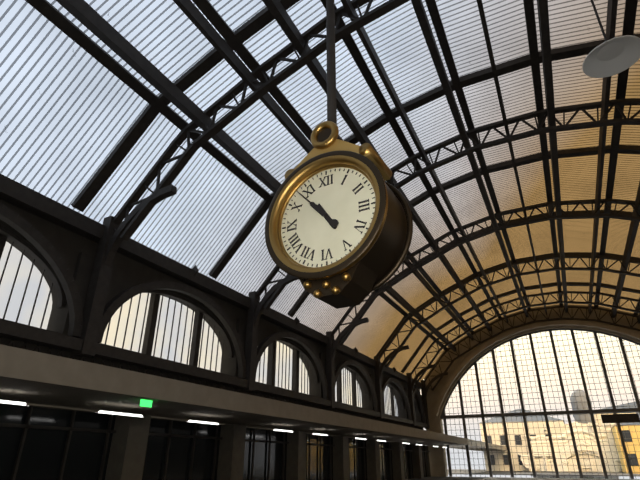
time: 4:53
